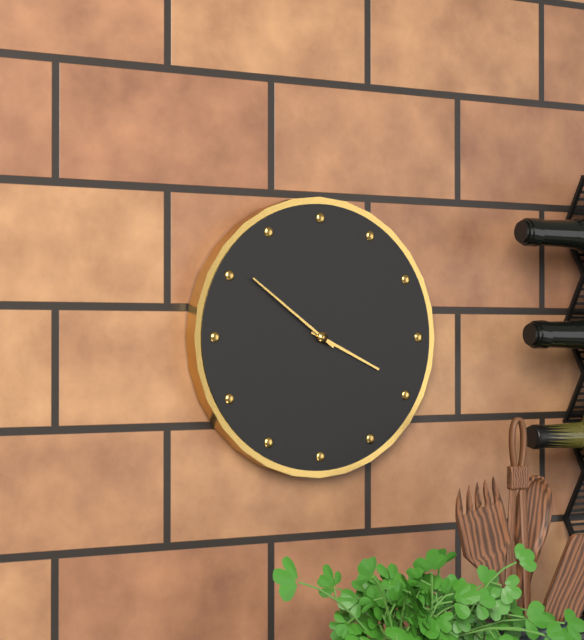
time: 3:51
